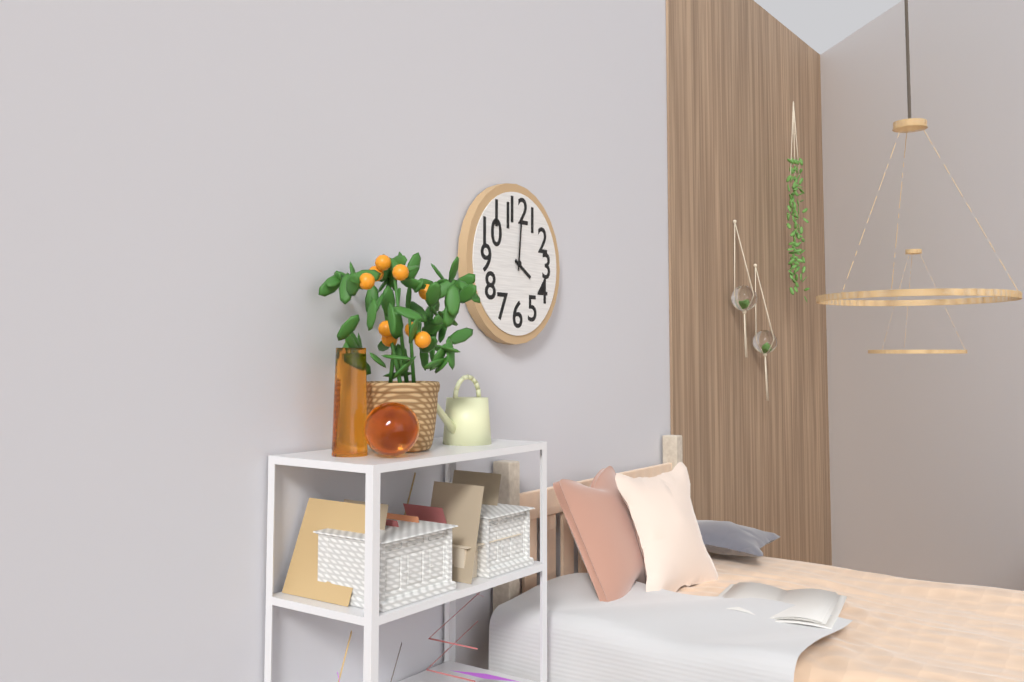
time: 4:01
